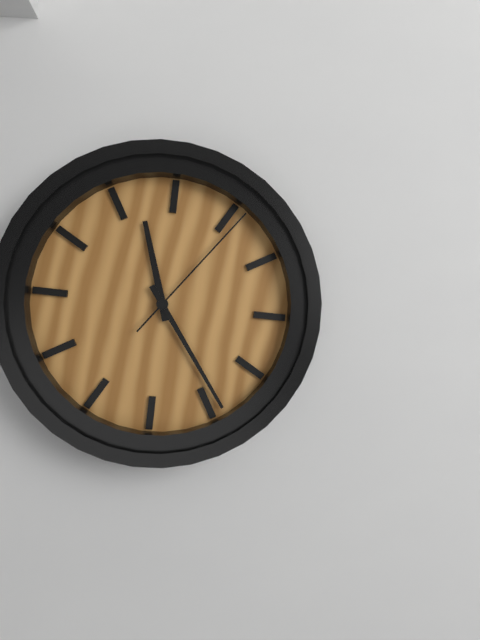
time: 11:24:06
